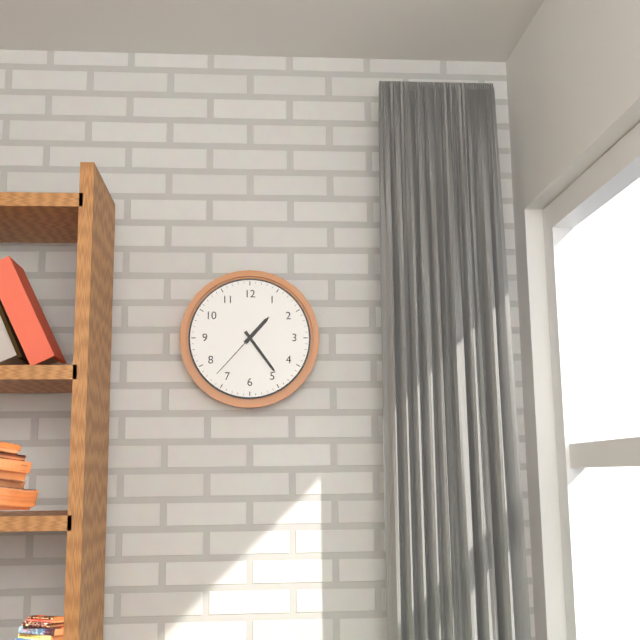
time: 1:24:37
